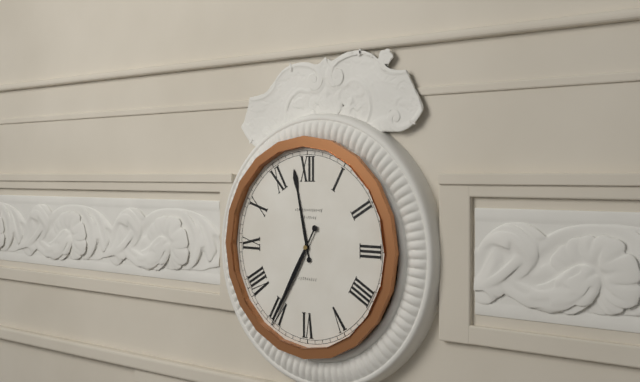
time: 11:35
